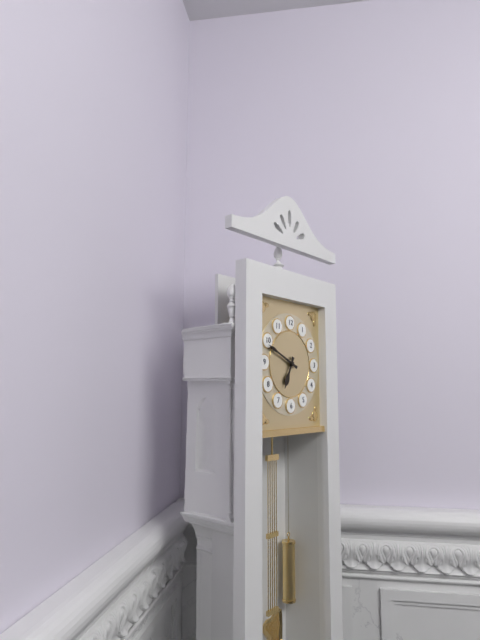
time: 6:49
